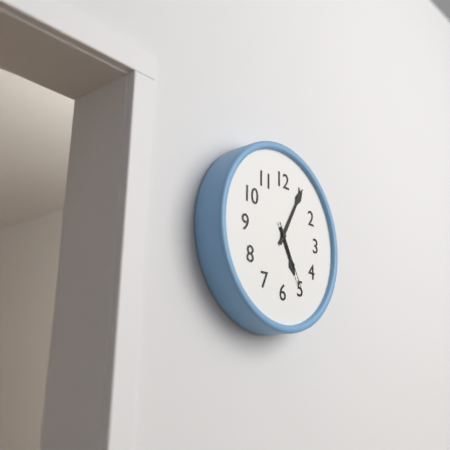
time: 5:05:25
